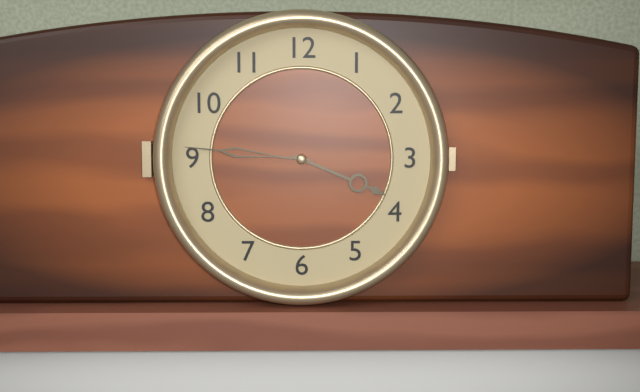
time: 3:46
